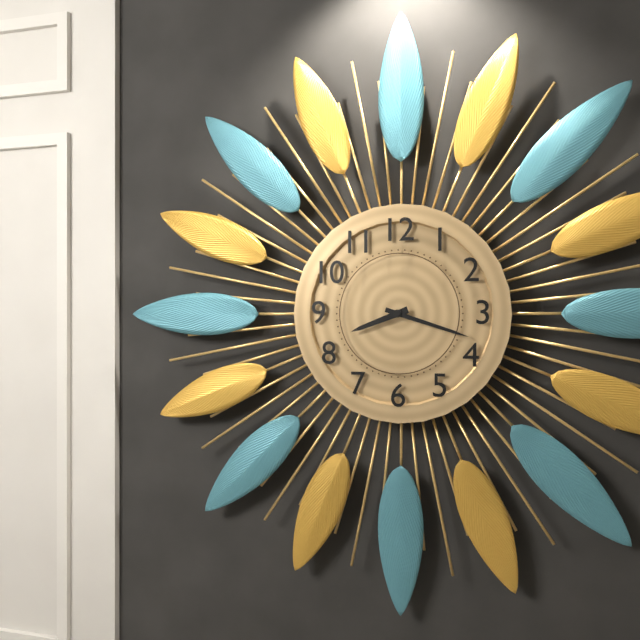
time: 8:18
